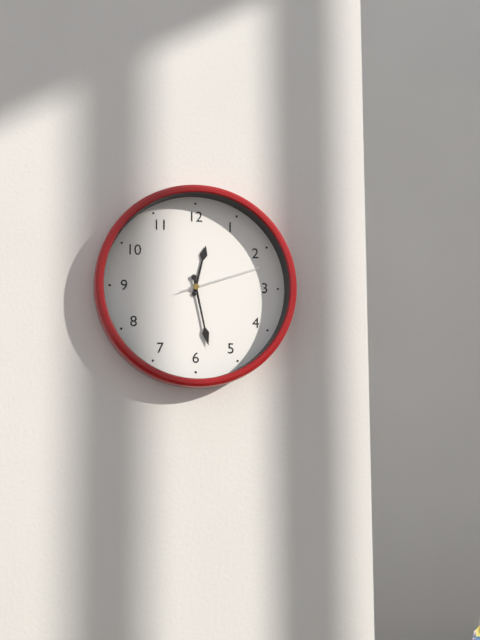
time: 12:28:12
